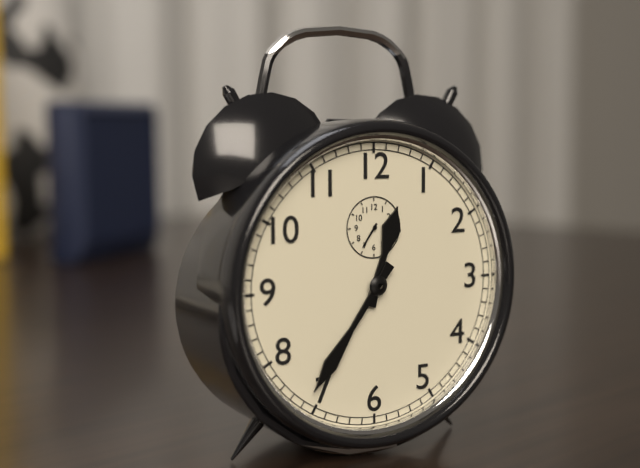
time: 12:36
